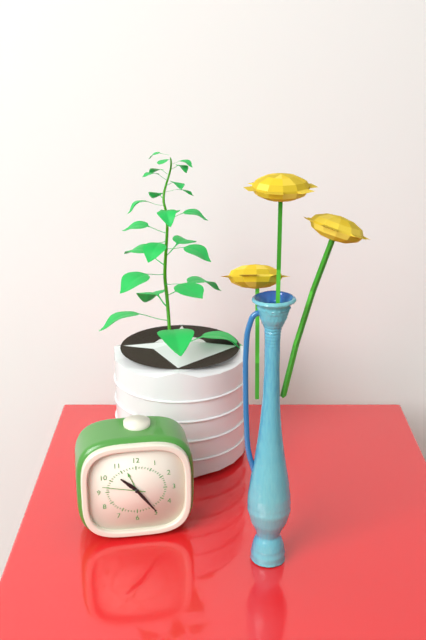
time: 10:24
